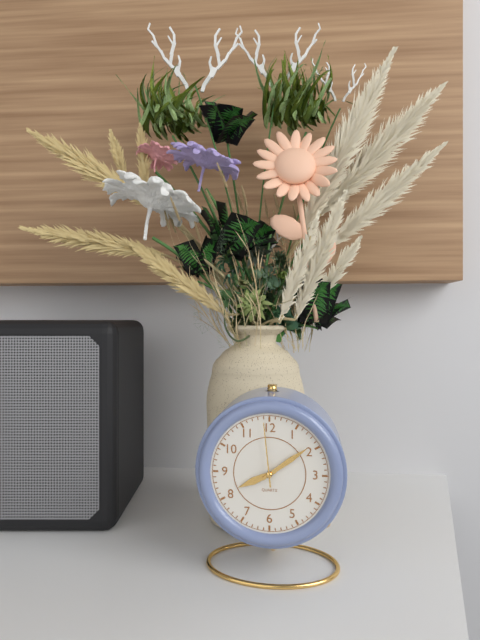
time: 8:09:59
